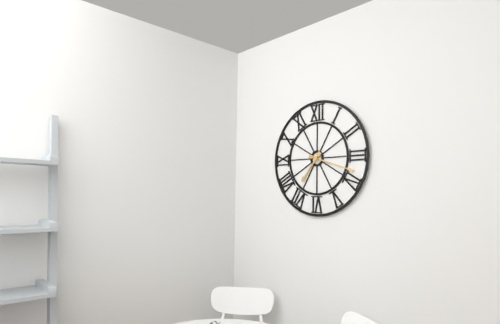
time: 7:18
